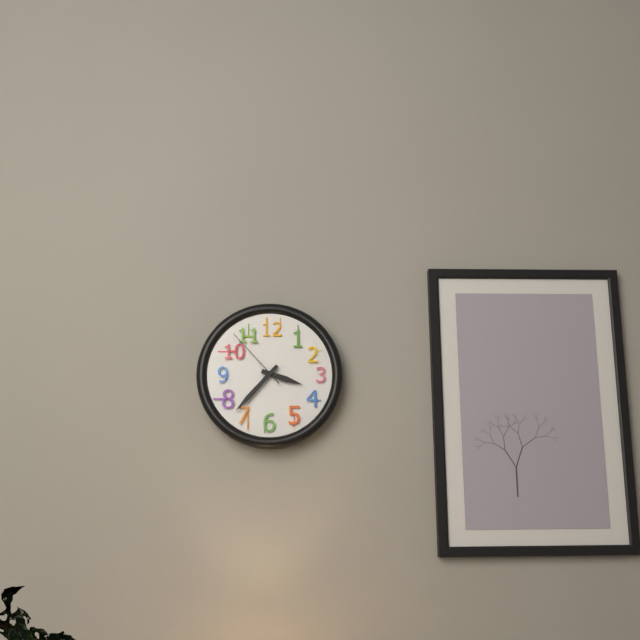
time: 3:37:53
